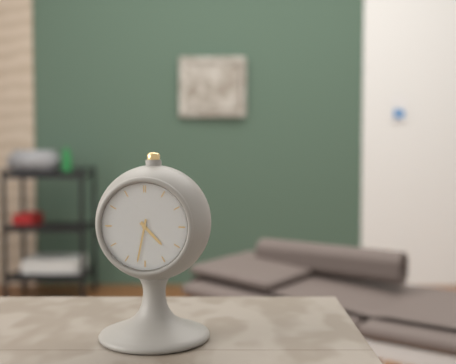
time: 4:32
